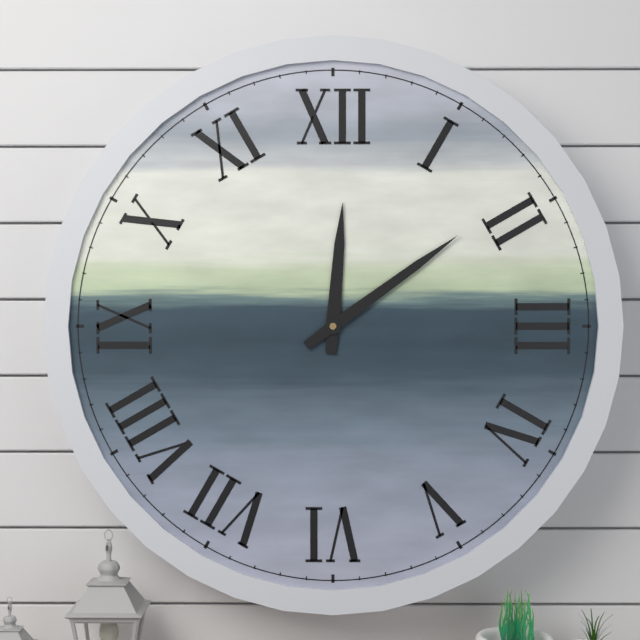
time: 12:09
